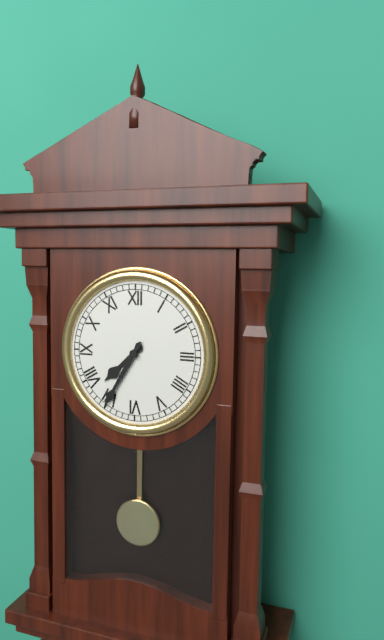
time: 7:35
